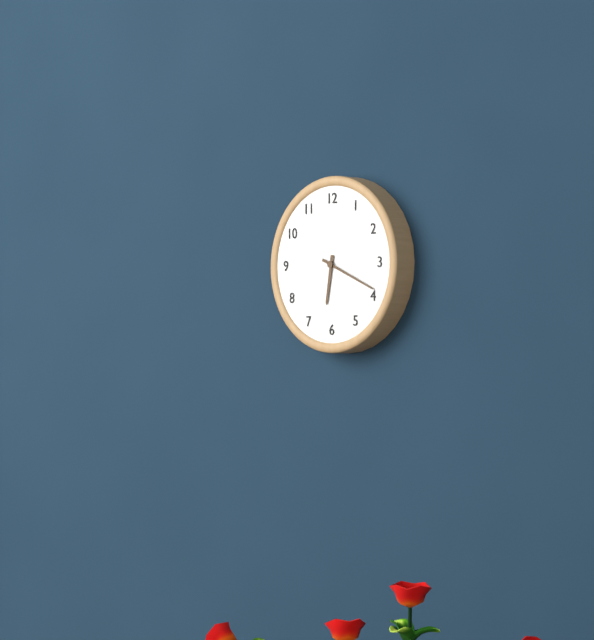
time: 6:19
